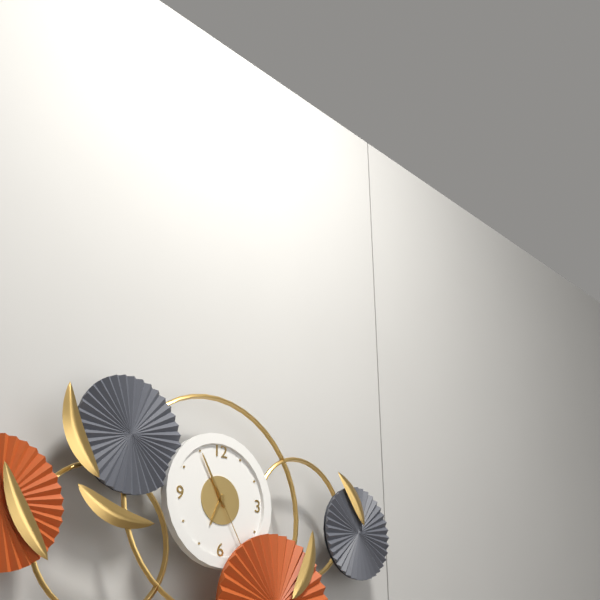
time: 6:55:25
